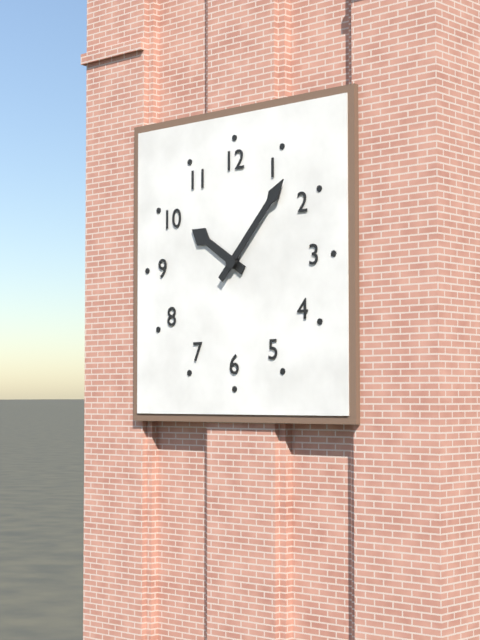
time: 10:07
